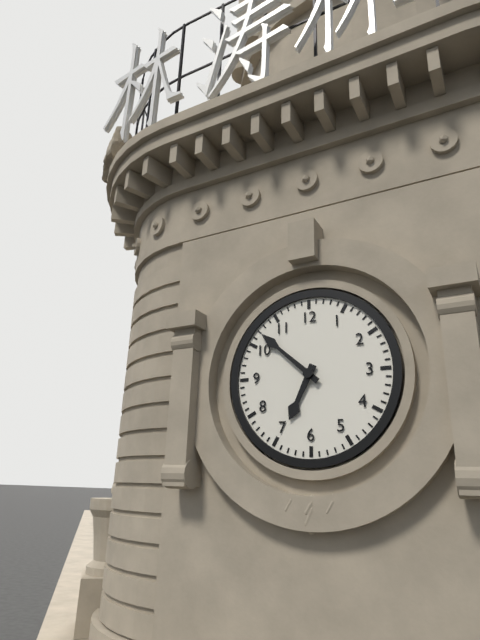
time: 6:52
